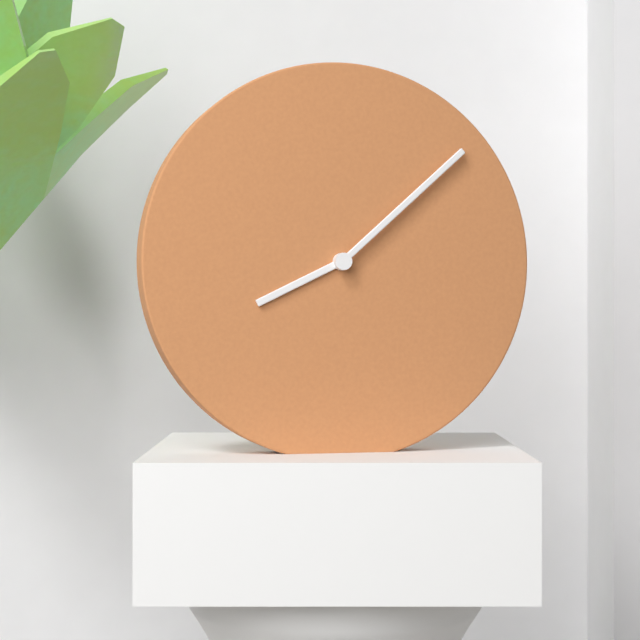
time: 8:08
